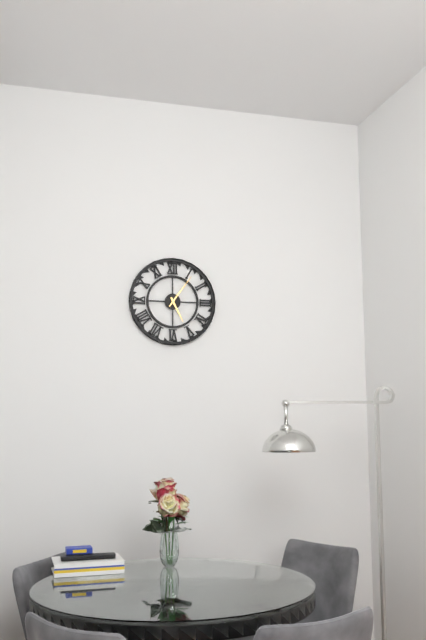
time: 5:06
